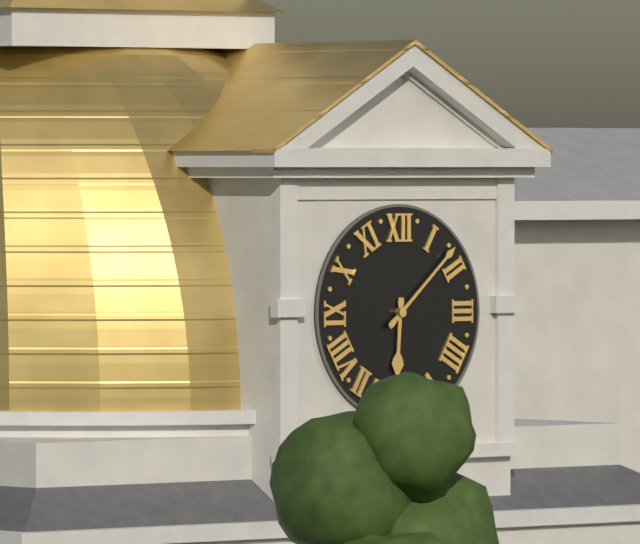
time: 6:08
